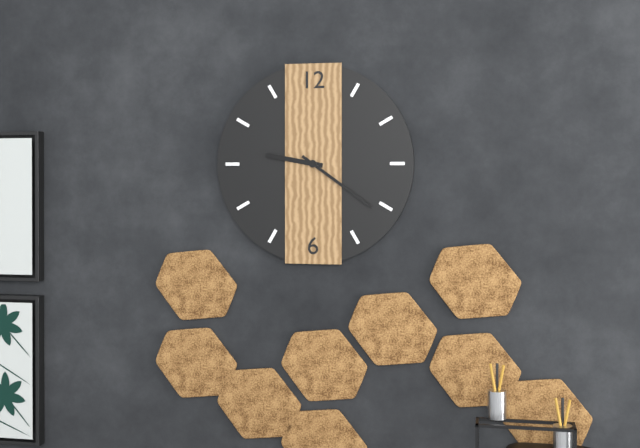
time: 9:21
